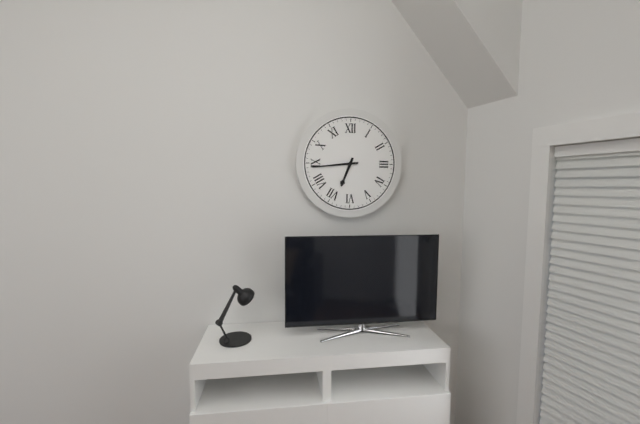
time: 6:44
